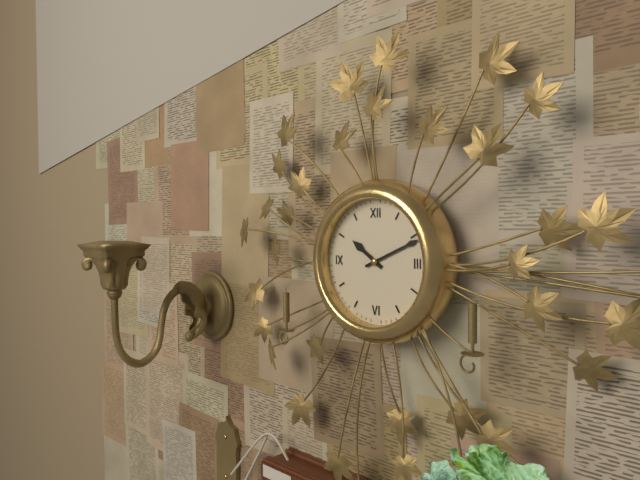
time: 10:11
